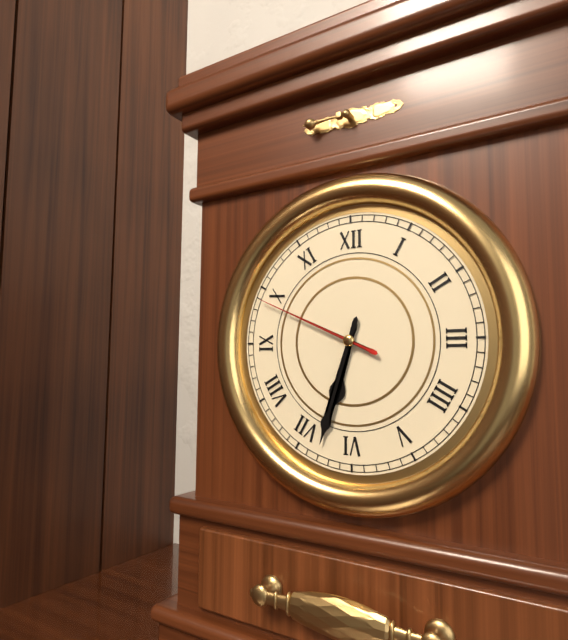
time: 6:33:49
